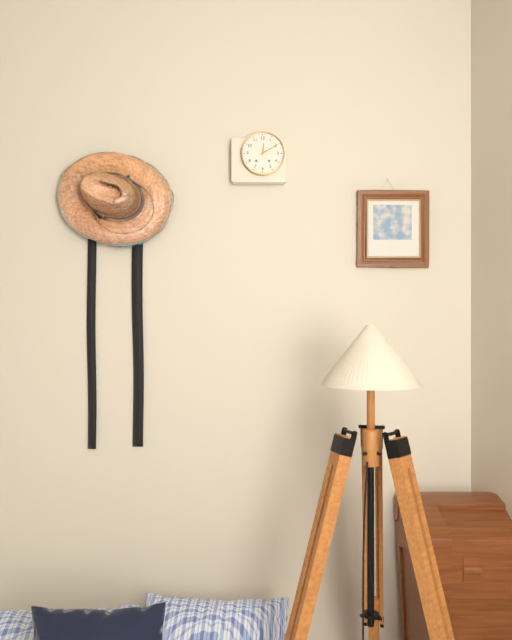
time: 12:10
